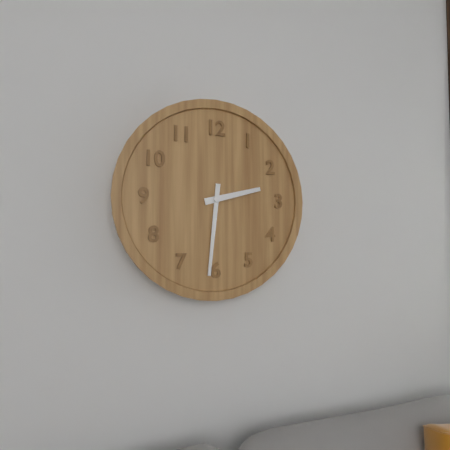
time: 2:31
